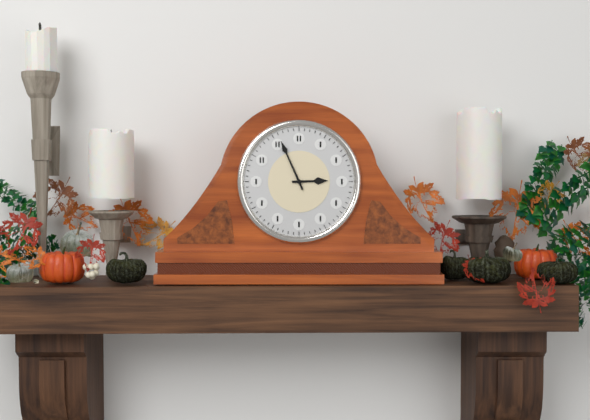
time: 2:56
